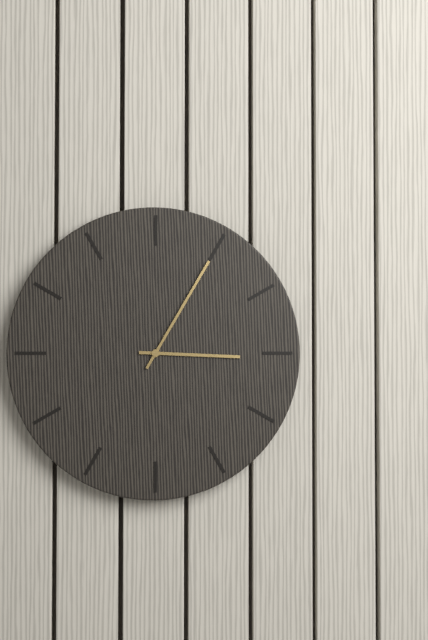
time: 3:05
